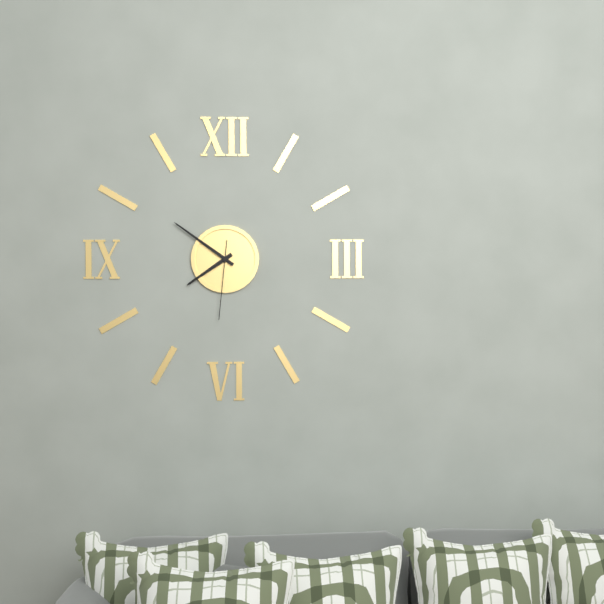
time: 7:51:31
